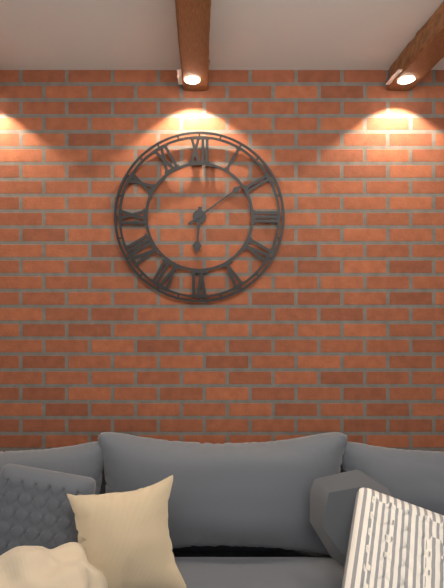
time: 6:09
